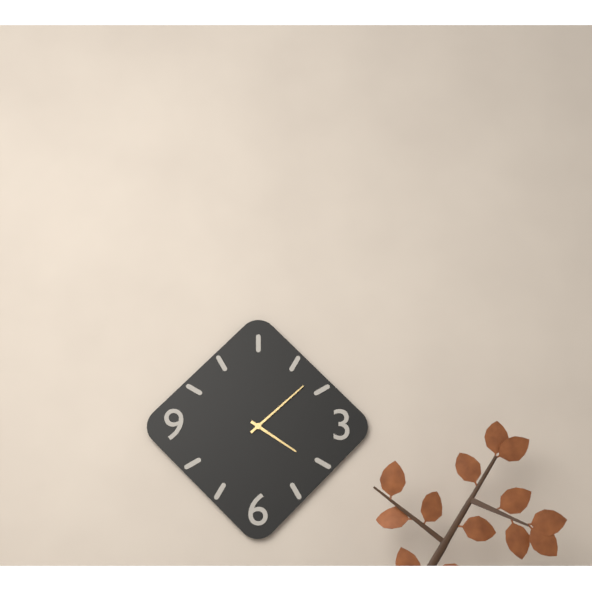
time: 4:08
